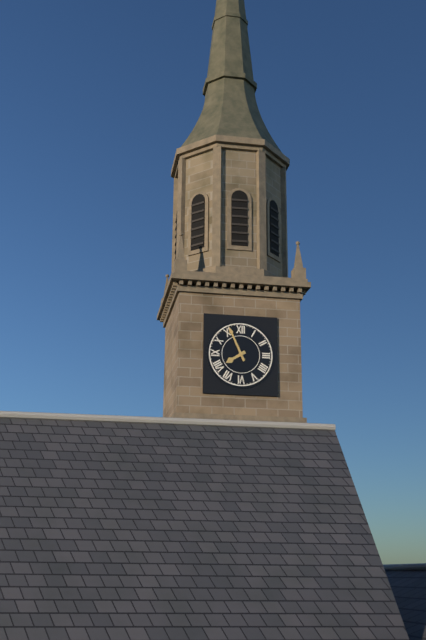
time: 7:56
